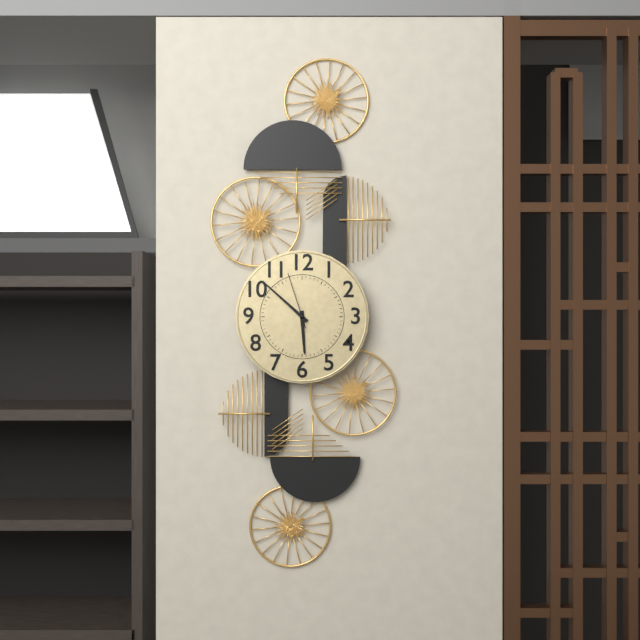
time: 5:52:57
